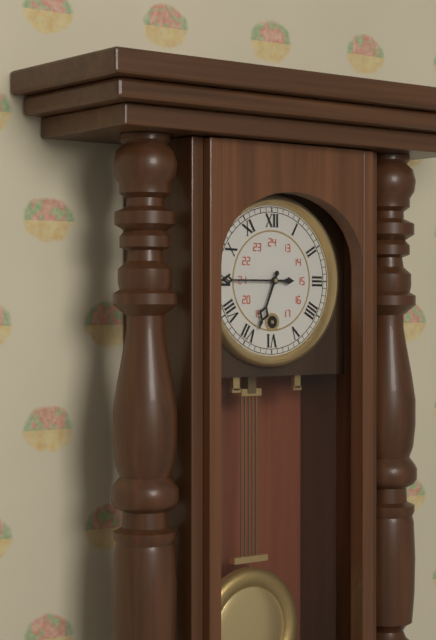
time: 6:45
